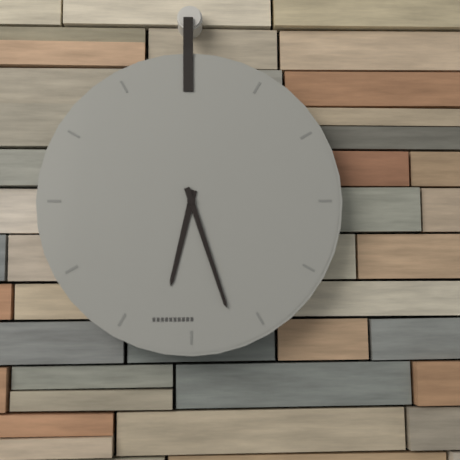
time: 6:27
